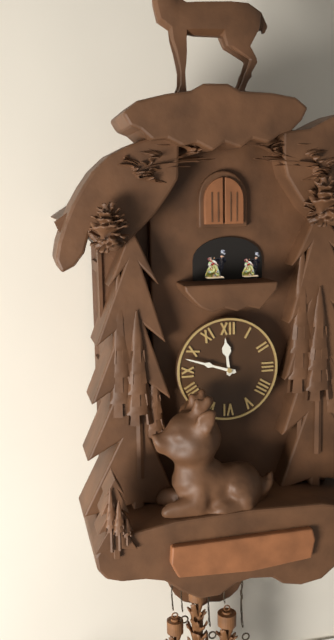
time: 11:48
